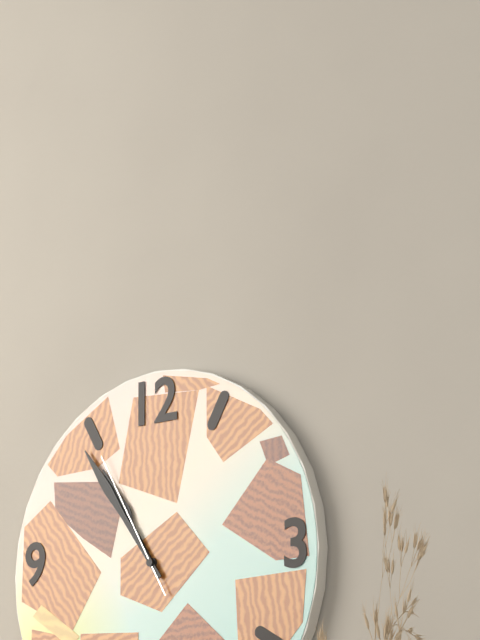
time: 10:54:55
